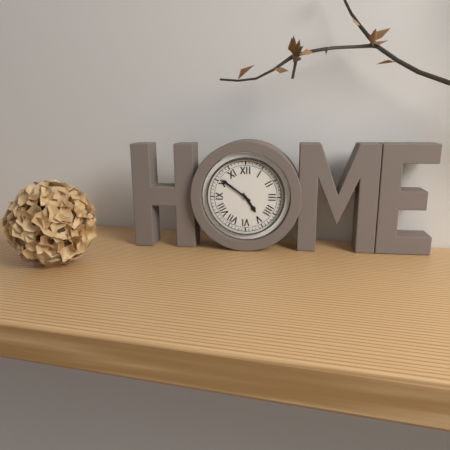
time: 4:51
